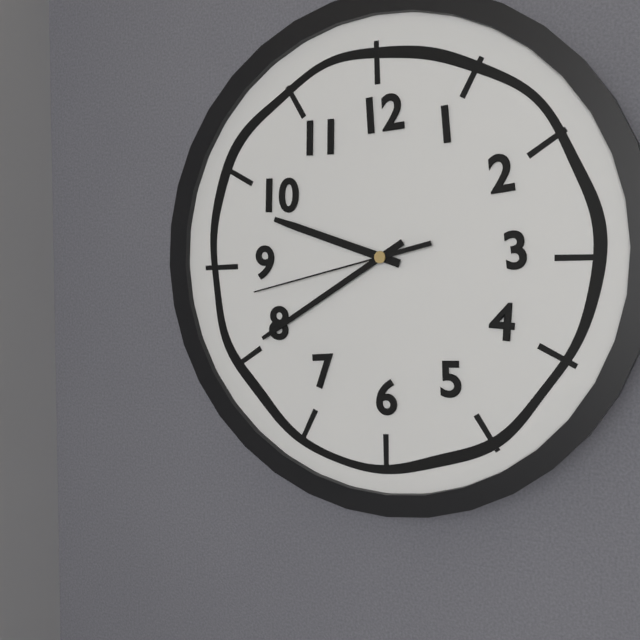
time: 9:40:43
